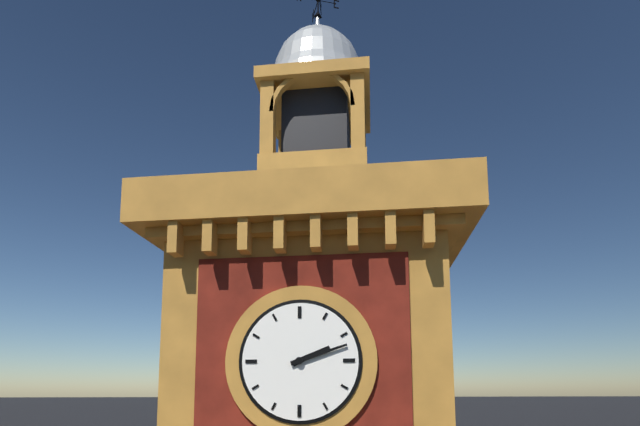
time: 2:12
